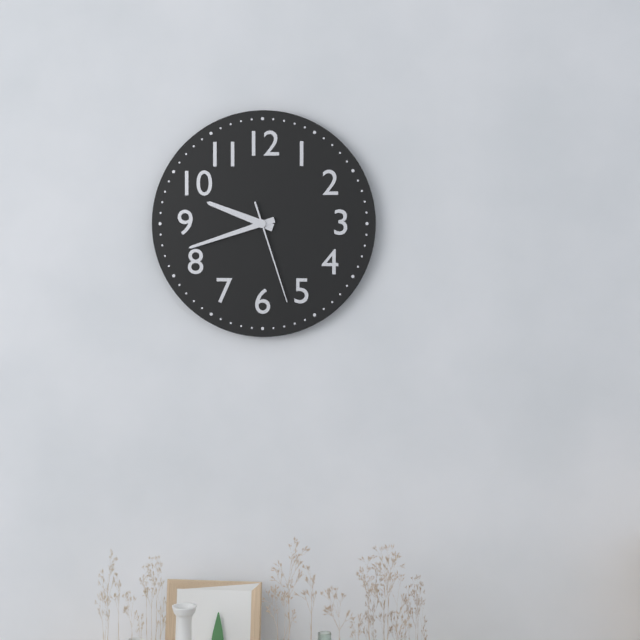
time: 9:42:27
